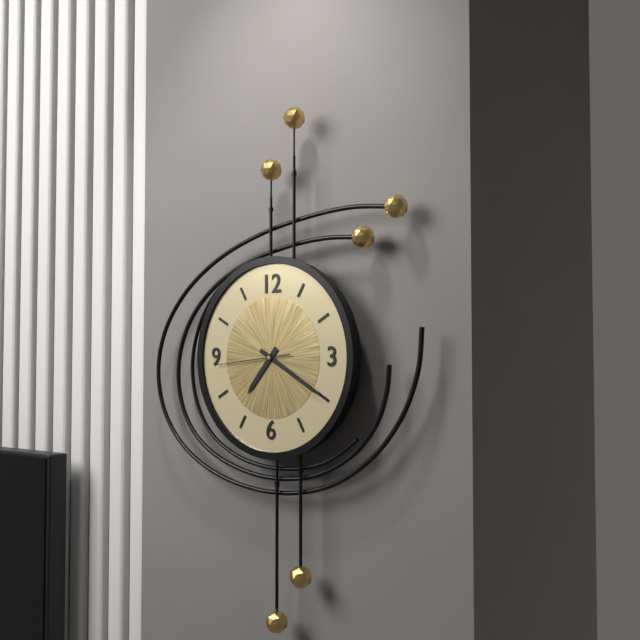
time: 7:20:44
